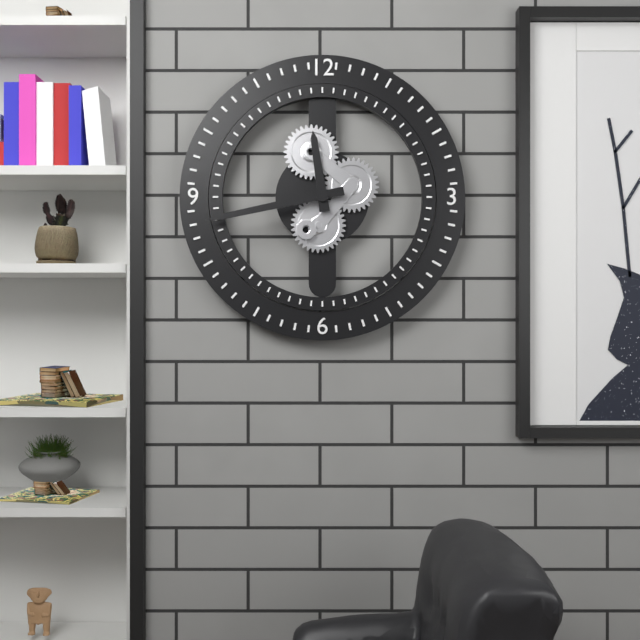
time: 11:43
